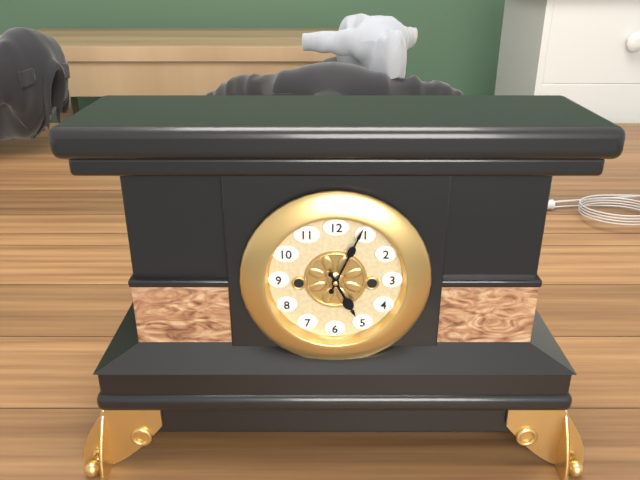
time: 5:04
